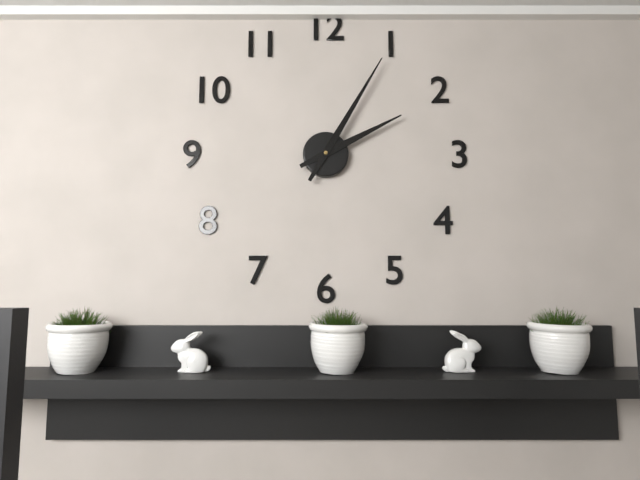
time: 2:05
